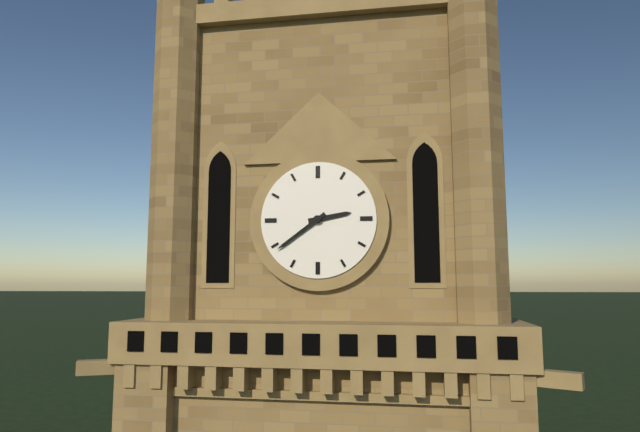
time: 2:39
